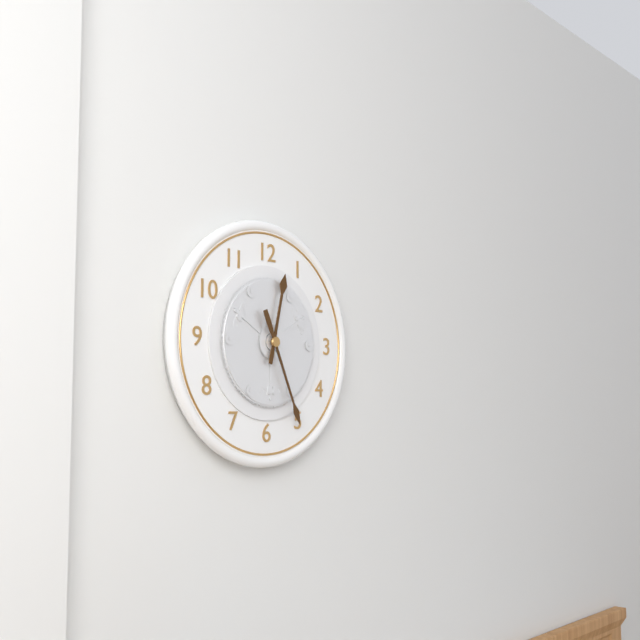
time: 12:26
